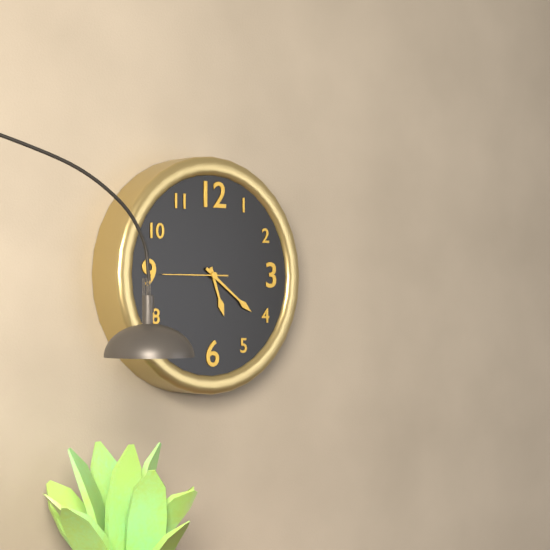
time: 5:21:45
